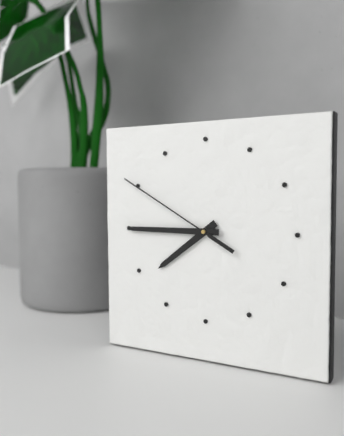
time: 7:45:50
